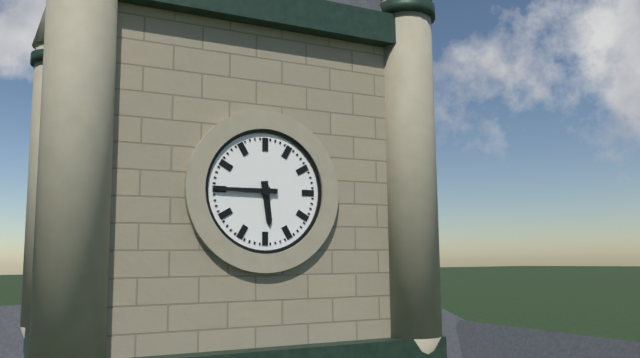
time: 5:45
